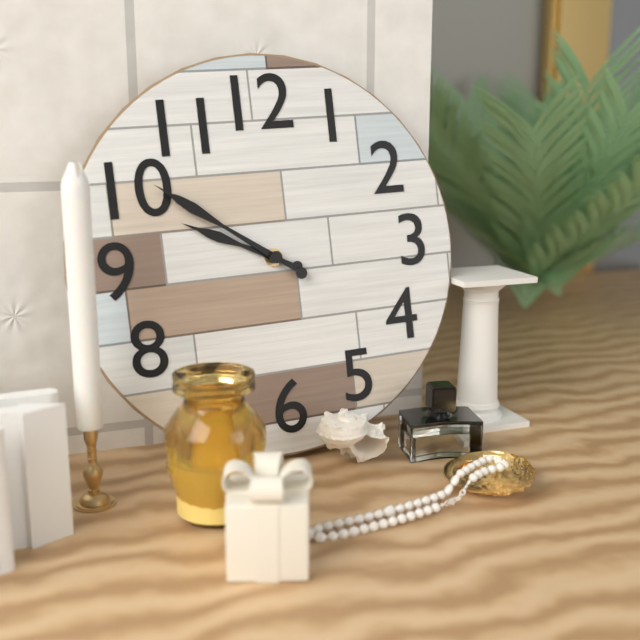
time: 9:51
